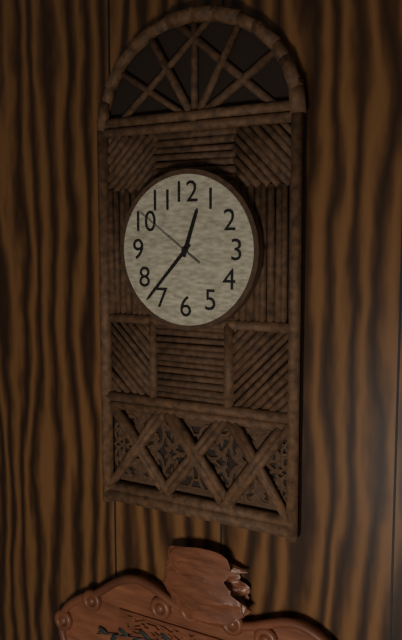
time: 12:37:51
